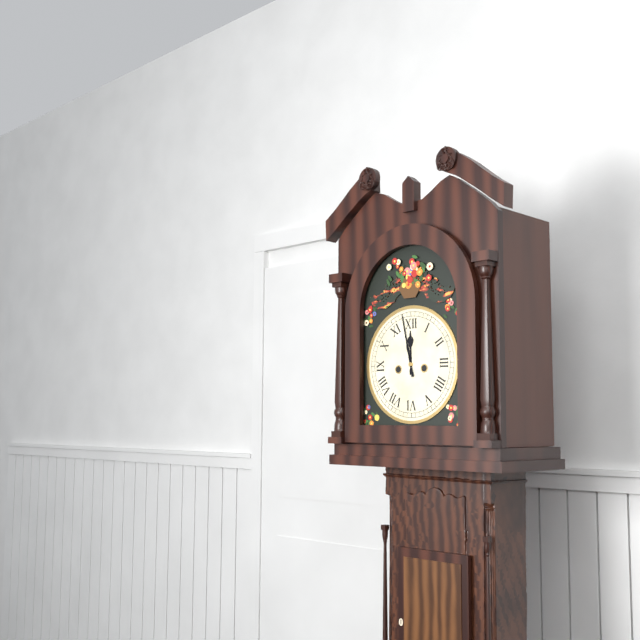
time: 11:58
